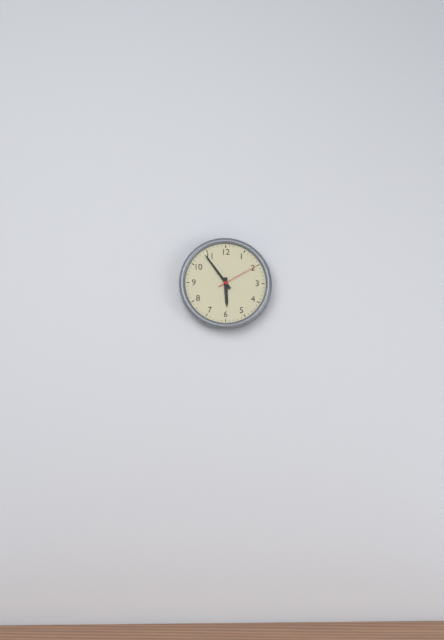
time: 5:54
